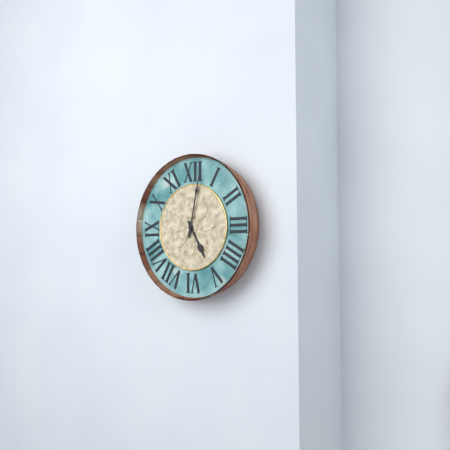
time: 5:02
